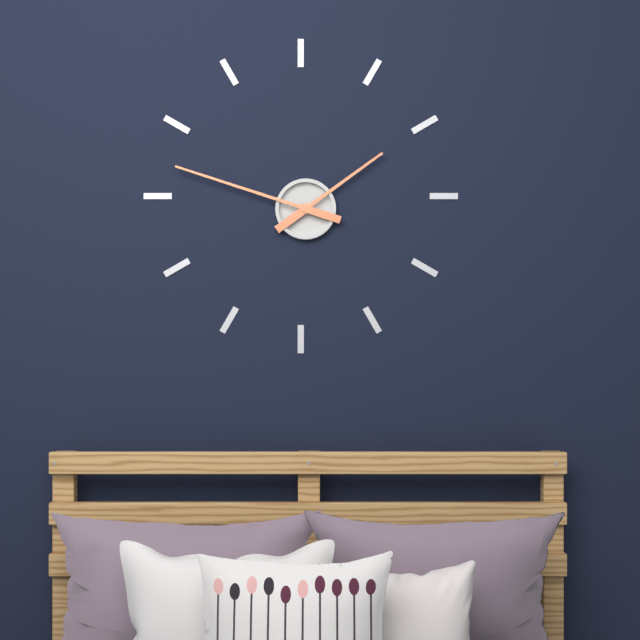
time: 1:48
